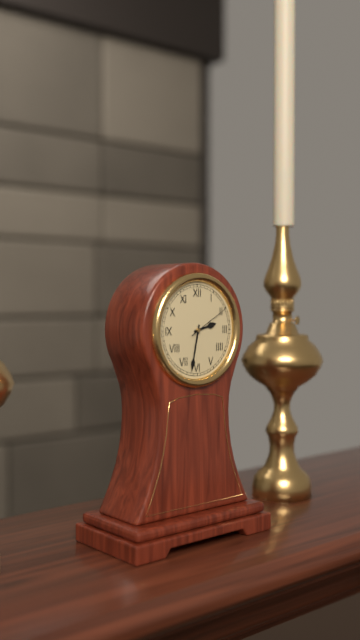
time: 2:32:10
